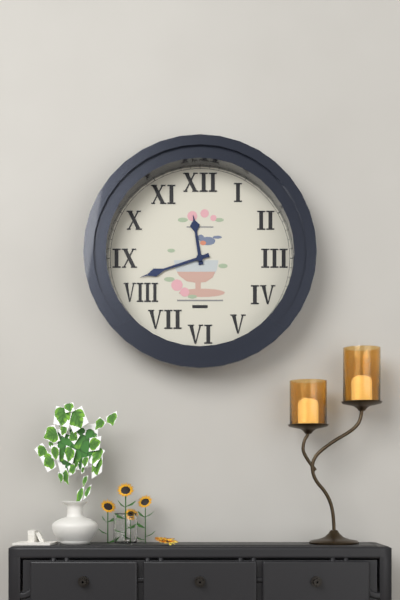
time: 11:42
